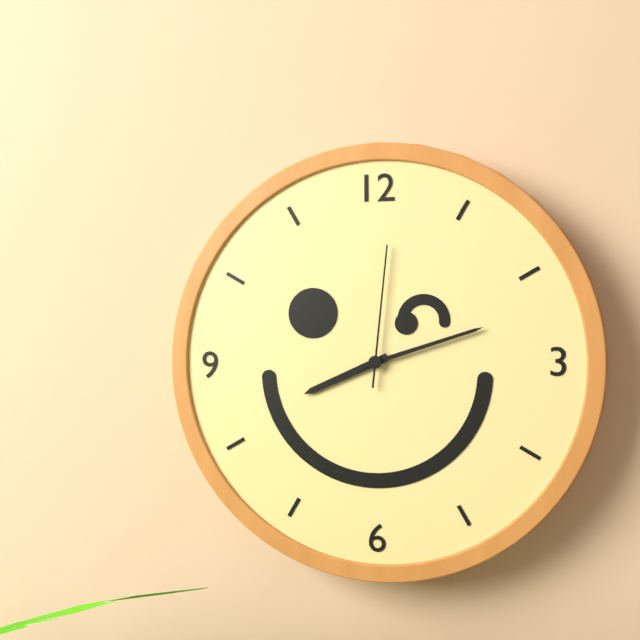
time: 8:12:01
